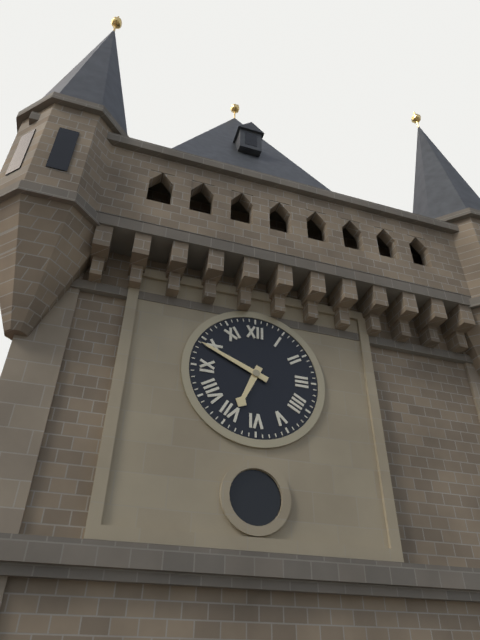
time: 6:49
